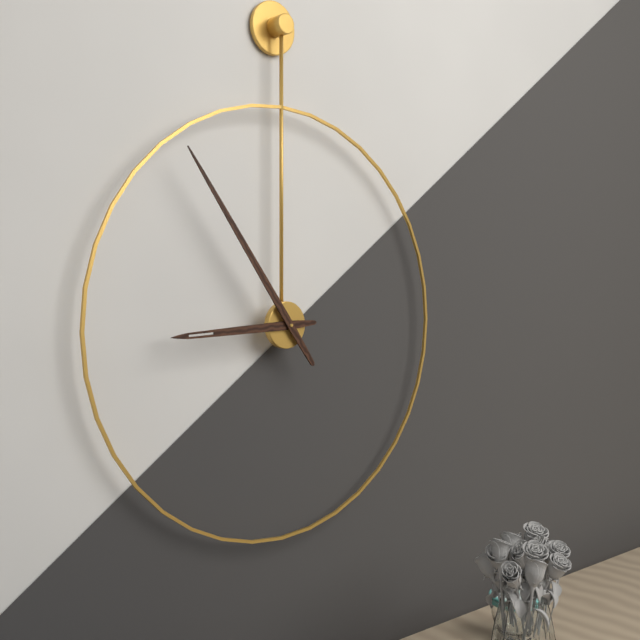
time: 8:54
